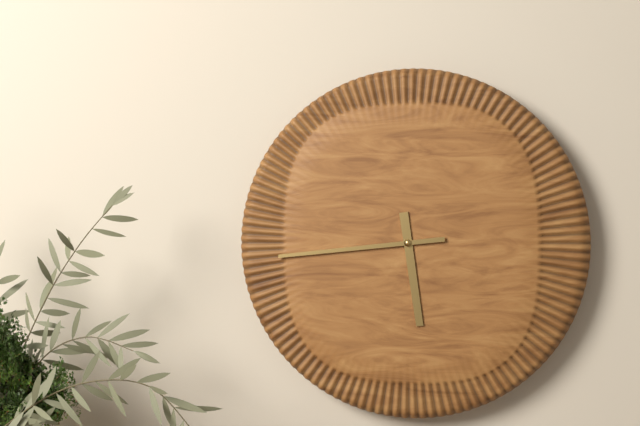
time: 5:44
